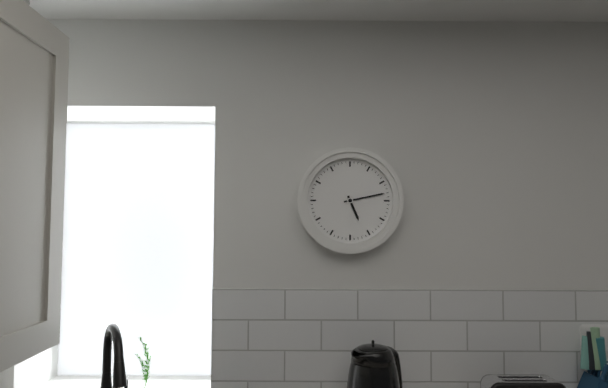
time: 5:13
